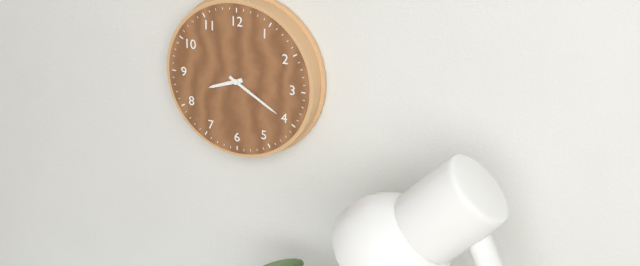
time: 8:20
